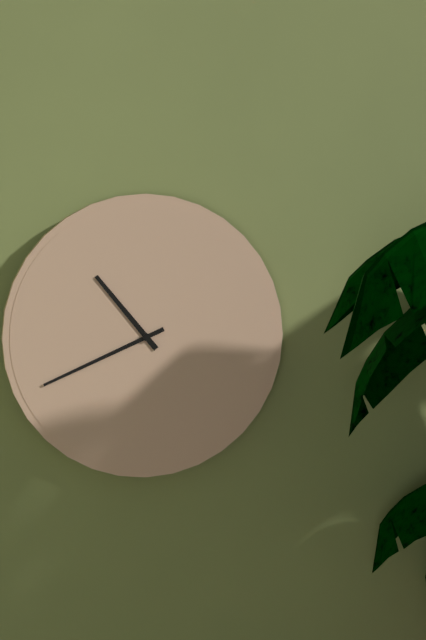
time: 10:41
